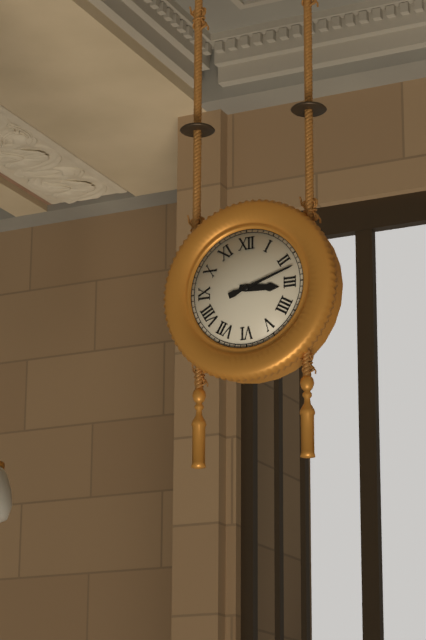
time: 3:12
